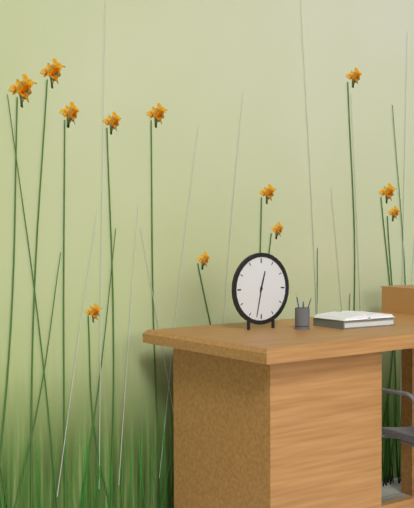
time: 12:32
